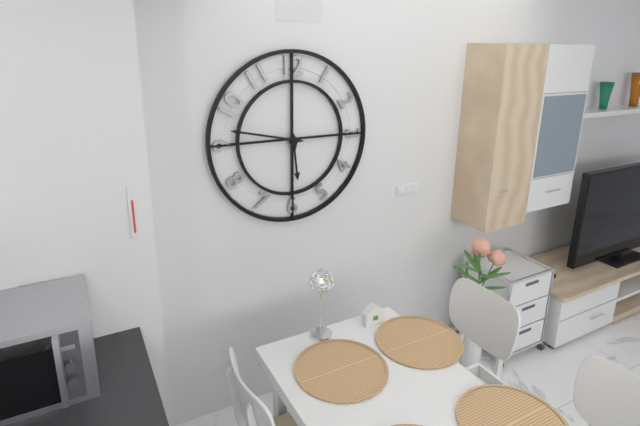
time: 5:47
